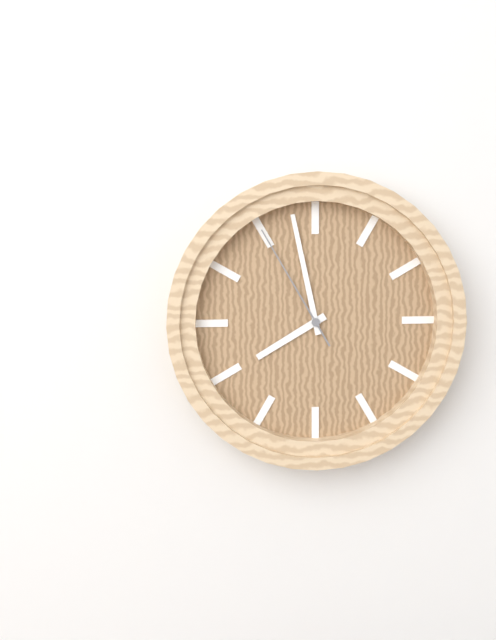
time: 7:58:55
